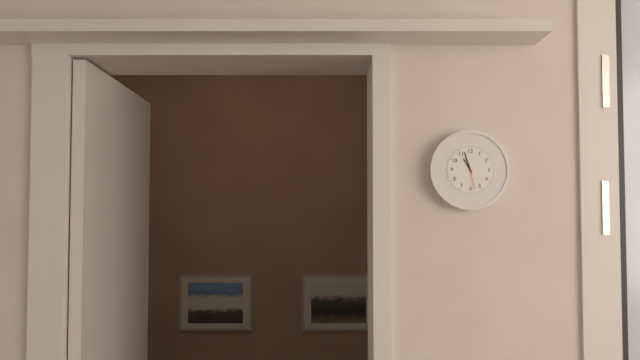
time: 10:57
